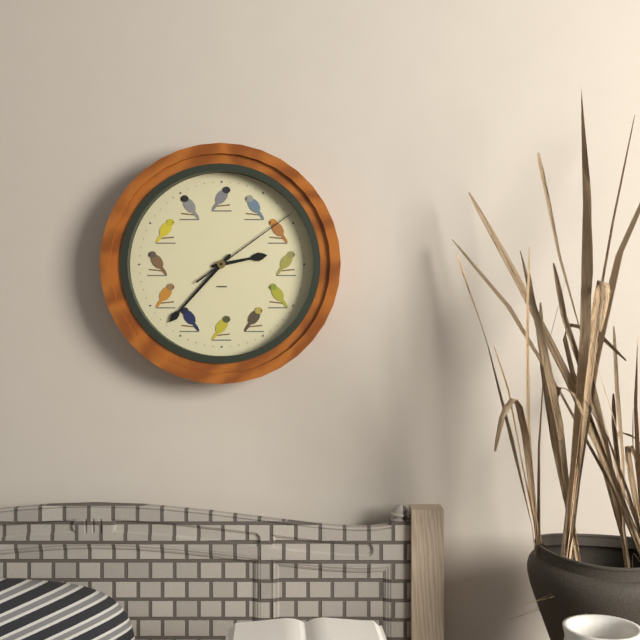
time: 2:37:09
